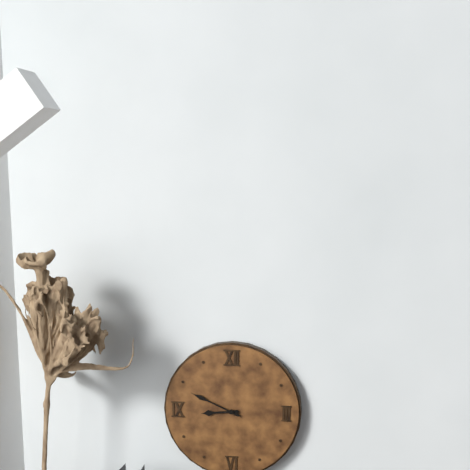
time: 8:49
